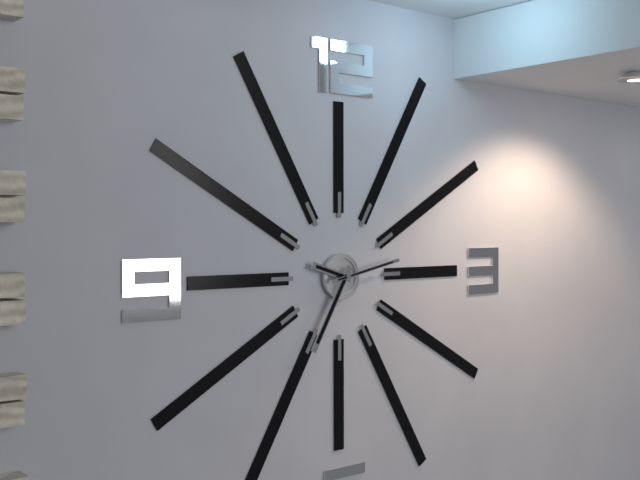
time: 9:35:13
